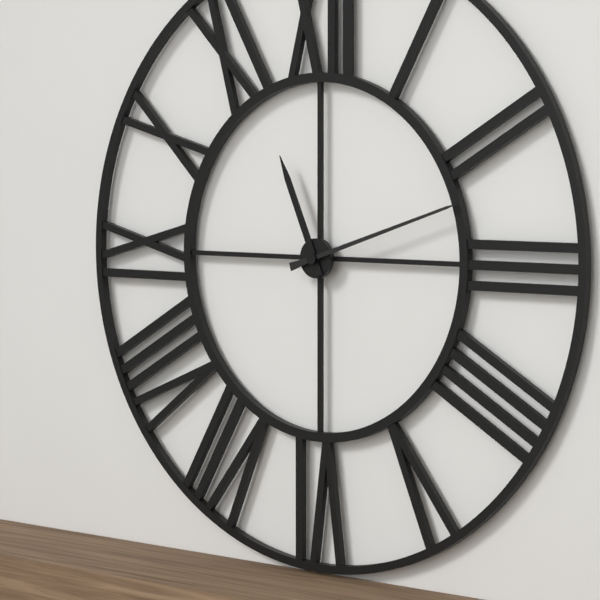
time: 11:12
